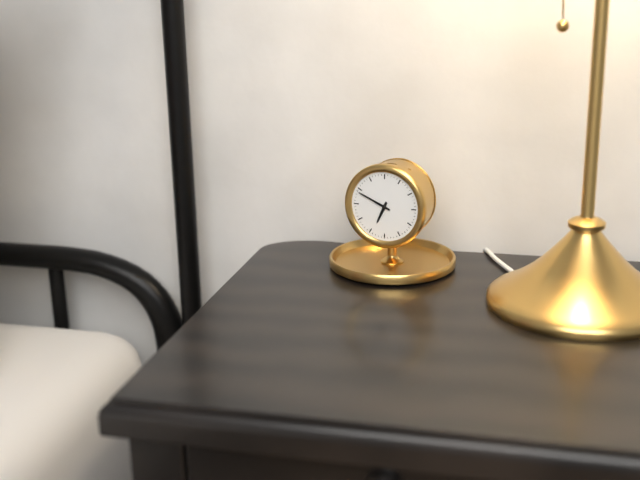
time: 6:49
